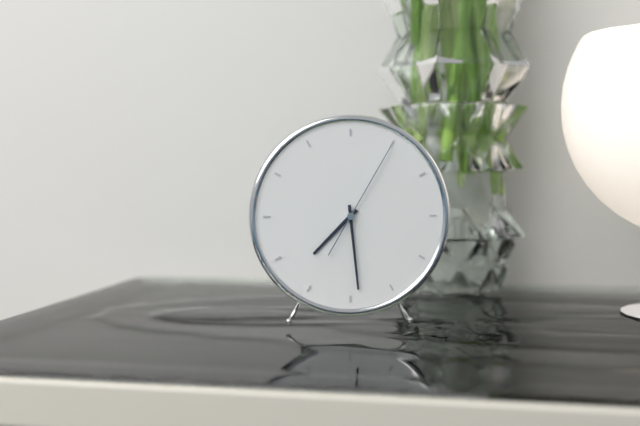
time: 7:29:05
